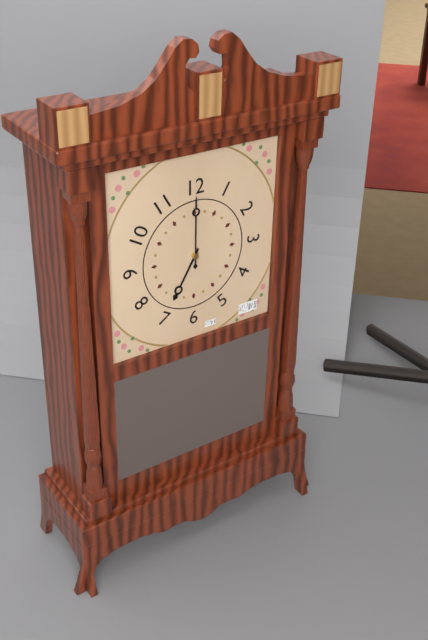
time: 7:00
